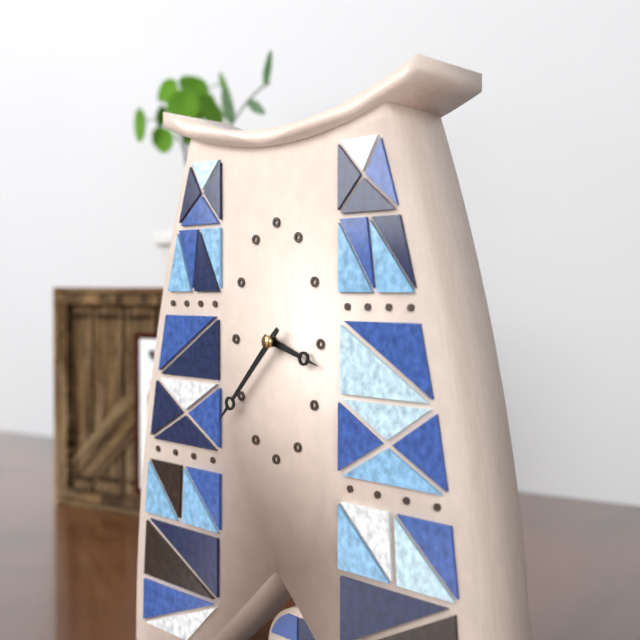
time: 3:37
